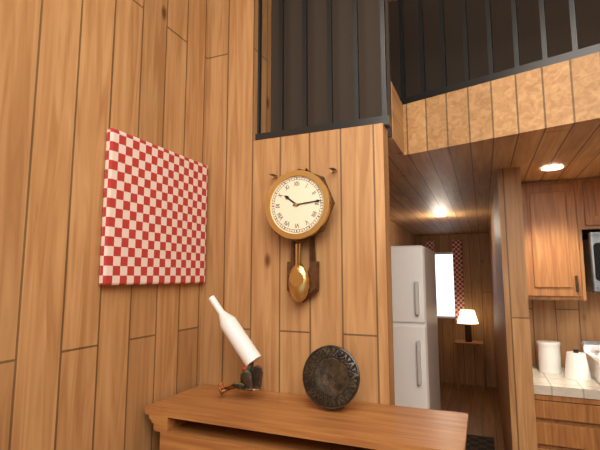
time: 10:14
